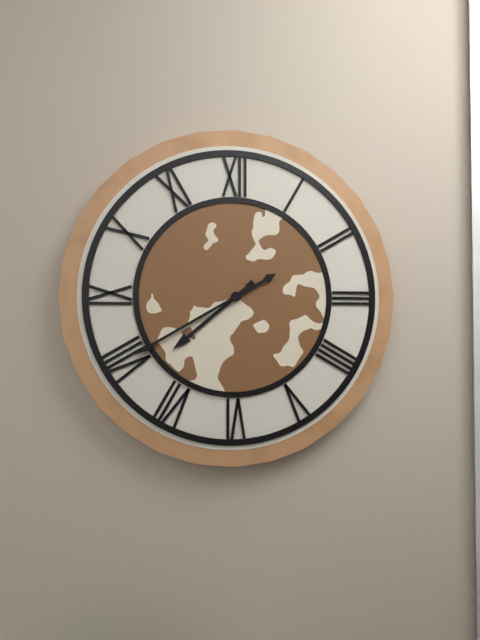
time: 7:40
